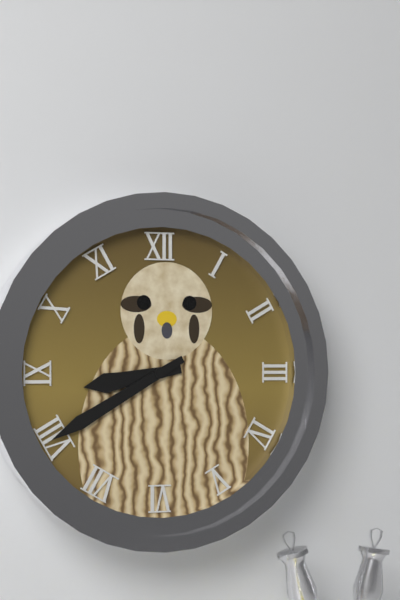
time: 8:40
